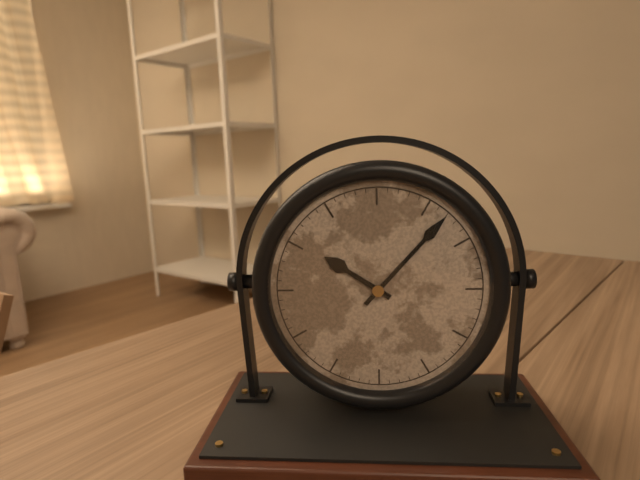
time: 10:07
